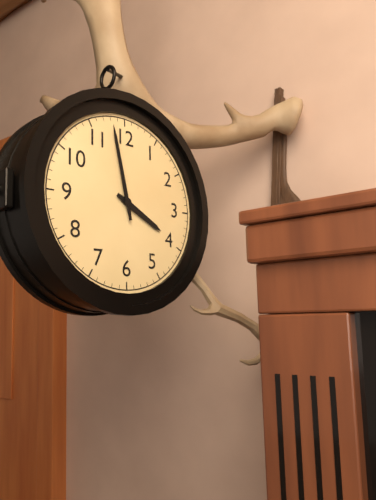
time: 3:58
